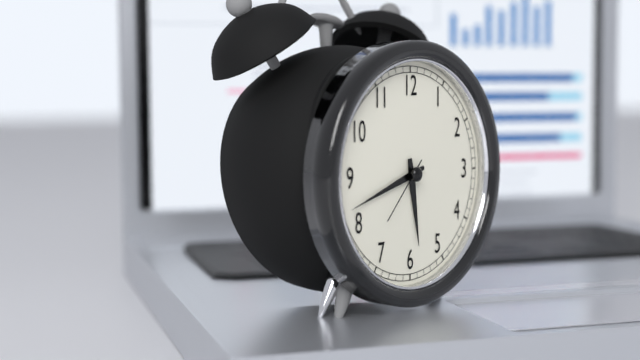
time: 5:42:37
